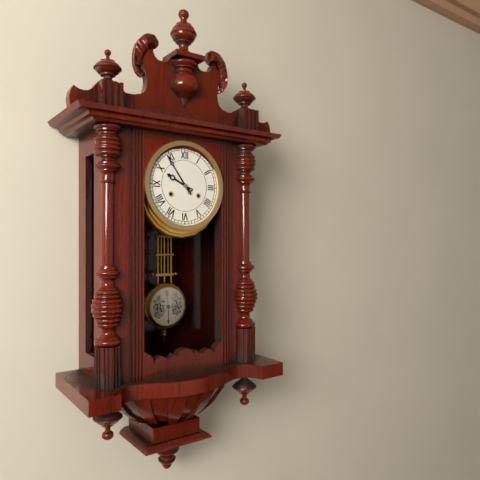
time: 9:54
